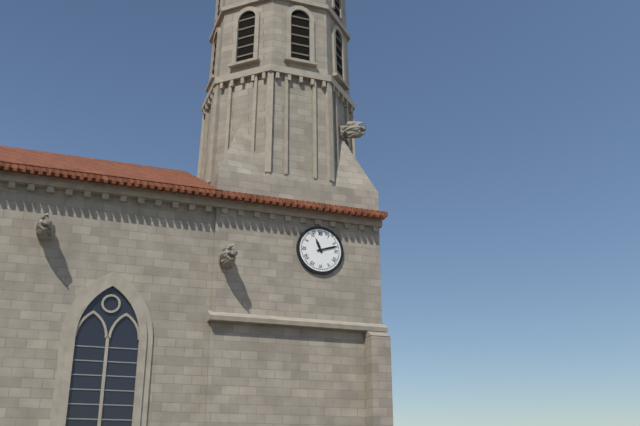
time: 11:12
